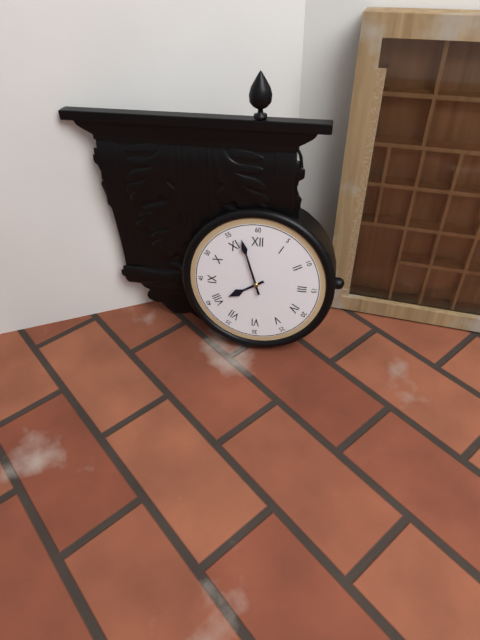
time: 7:57
